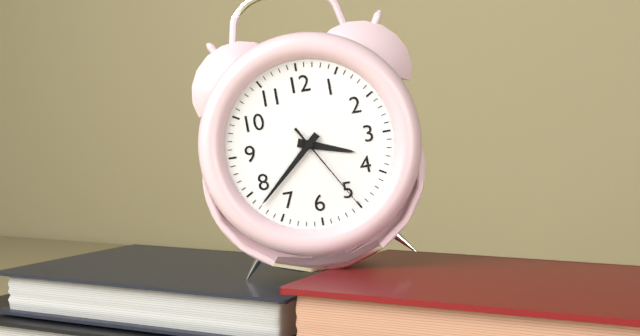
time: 3:38:25
